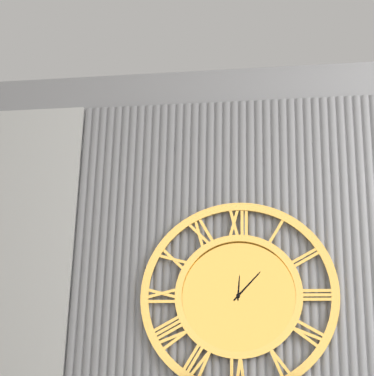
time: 12:07
